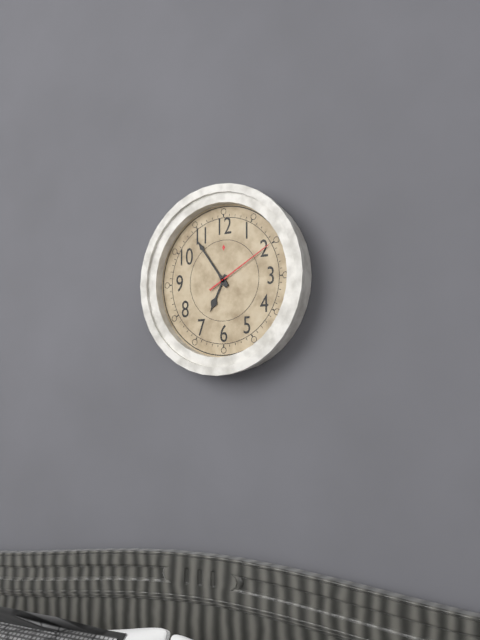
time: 6:54:10
